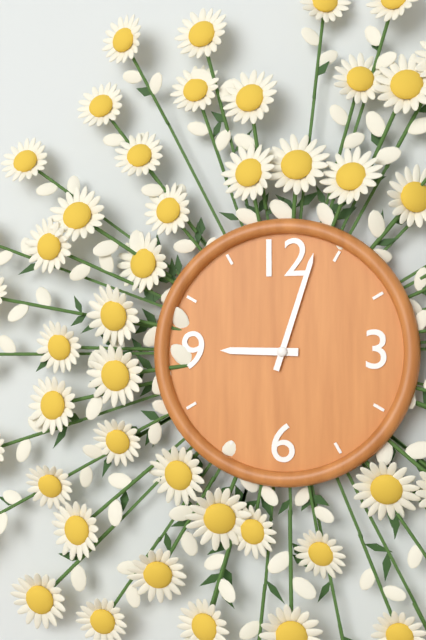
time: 9:03
